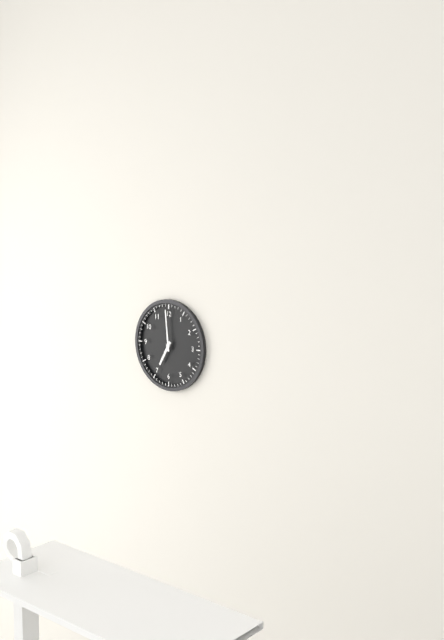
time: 6:59
